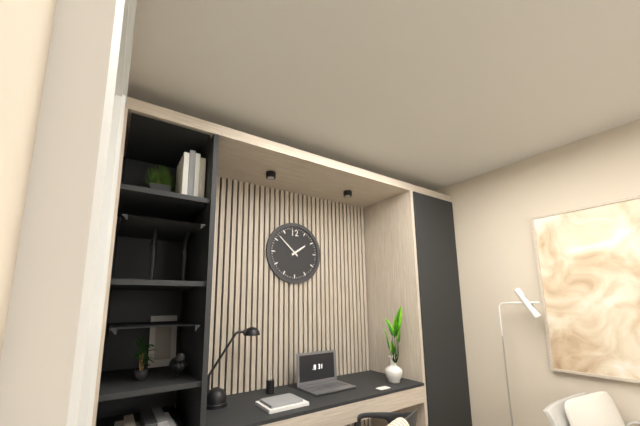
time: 1:52
